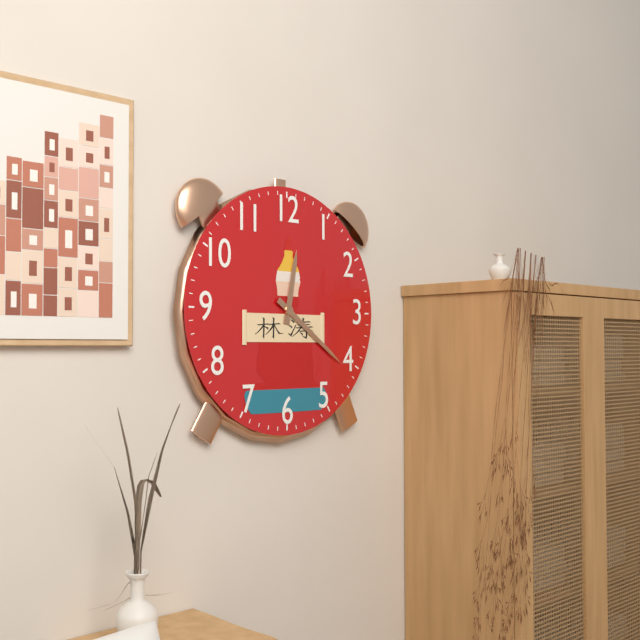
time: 12:21
